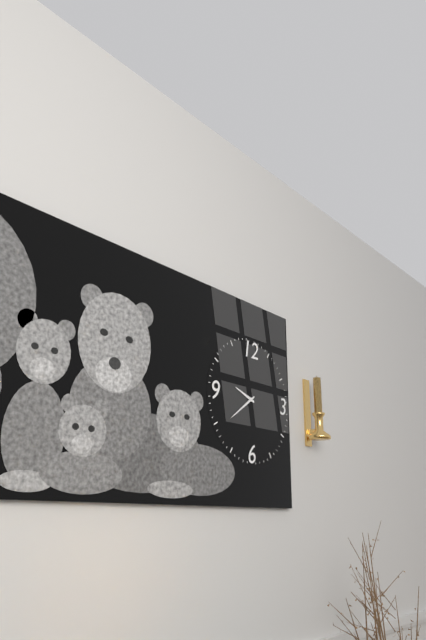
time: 9:39
